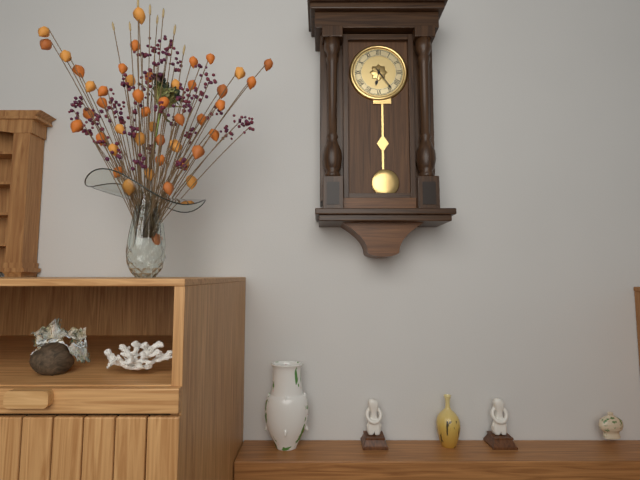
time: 6:24
